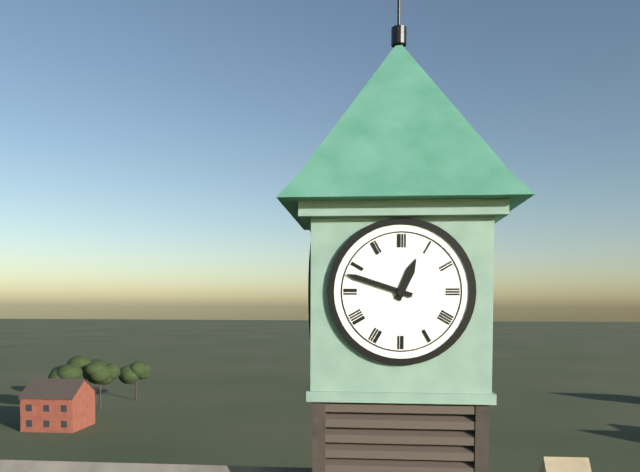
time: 12:48
